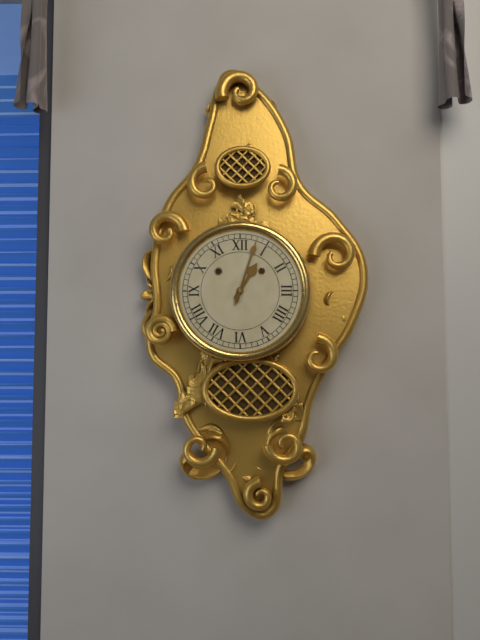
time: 1:03
